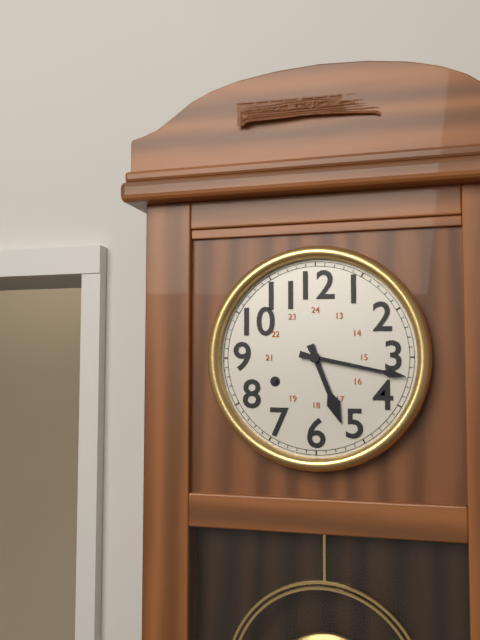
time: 5:17
